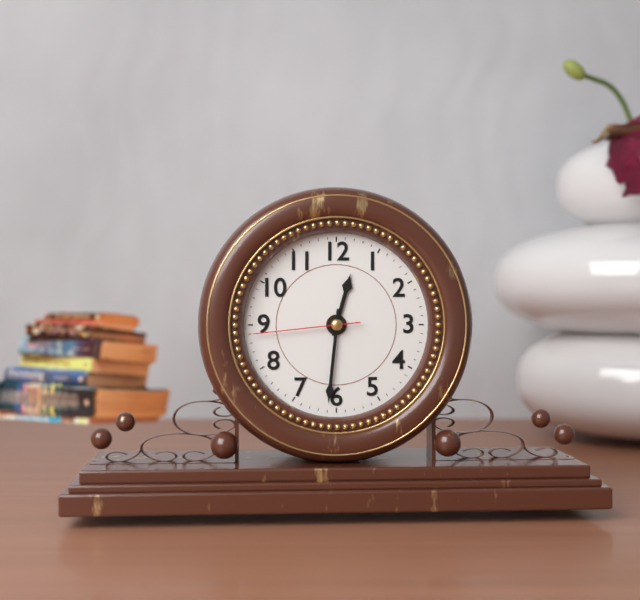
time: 12:31:44
